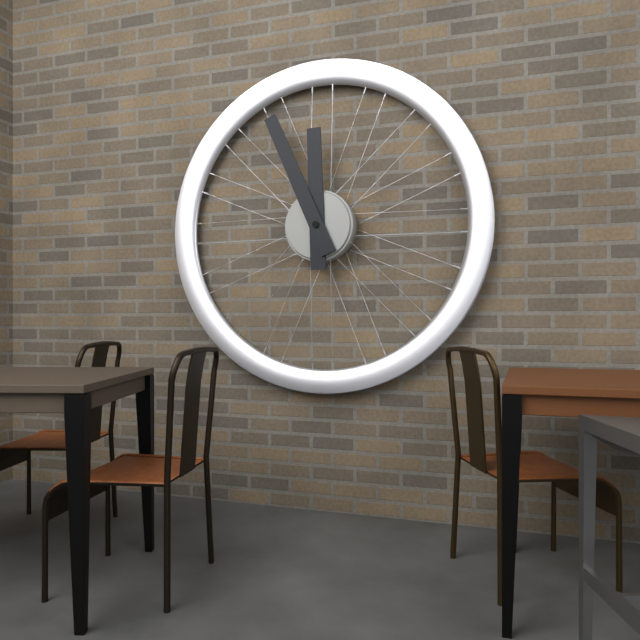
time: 11:56
